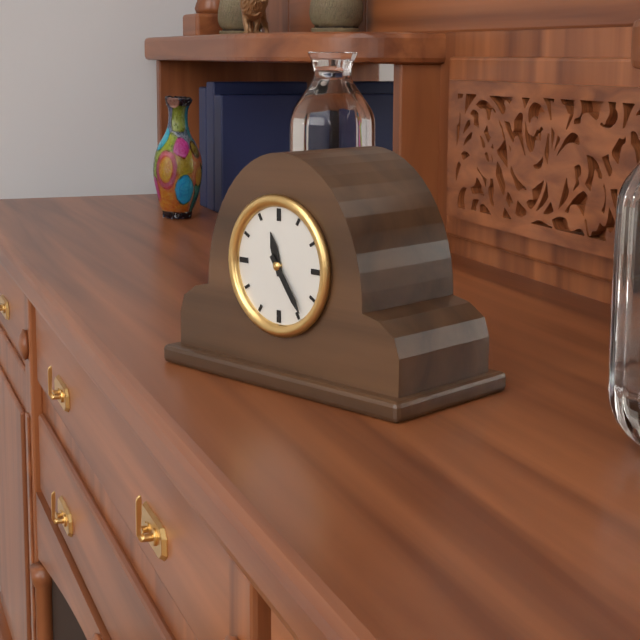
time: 11:24
